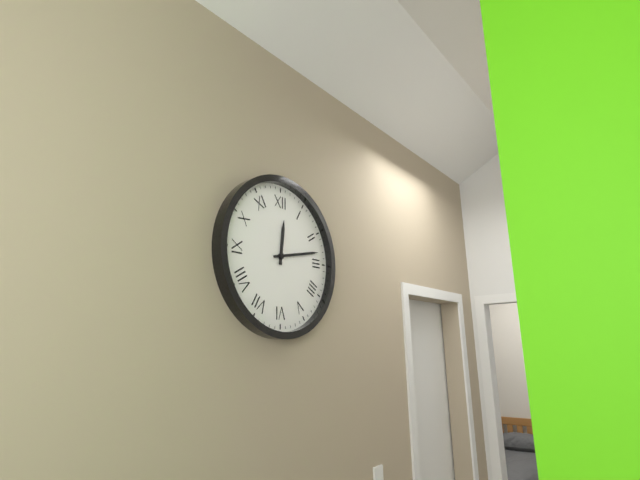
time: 12:13
